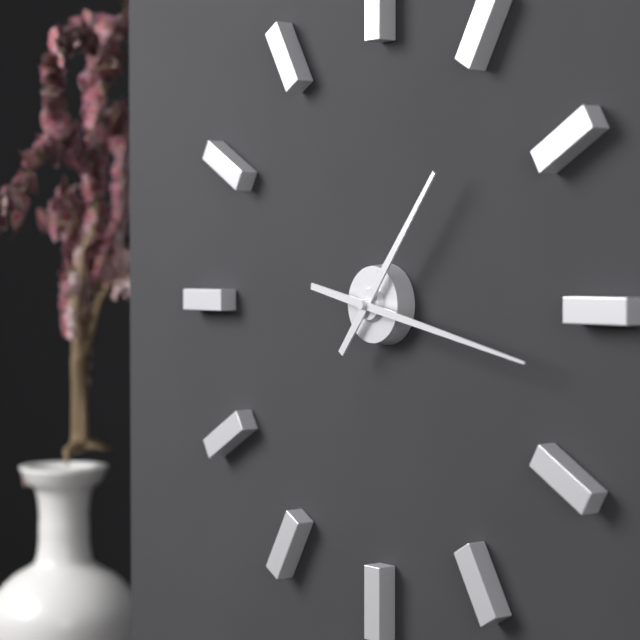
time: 1:17
